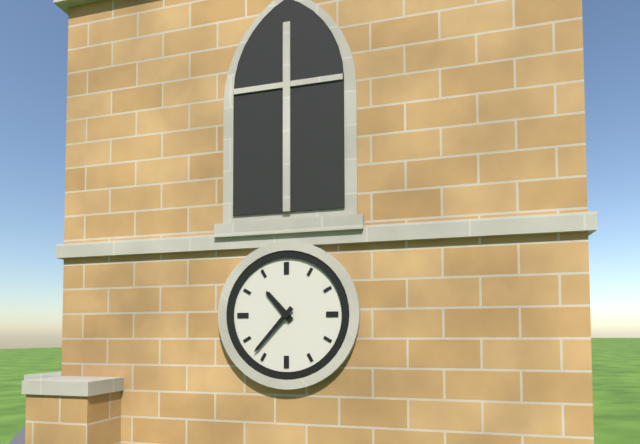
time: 10:37
